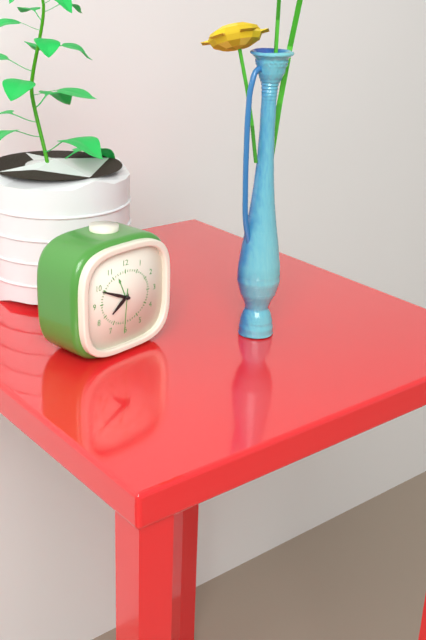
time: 7:49
